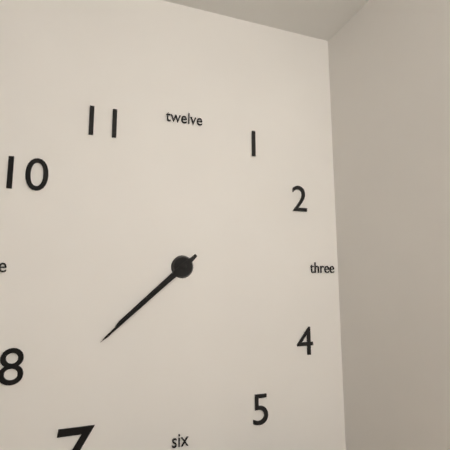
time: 7:38
